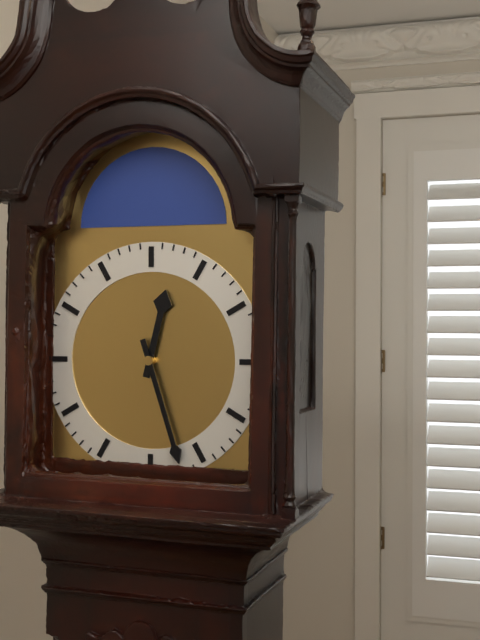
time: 12:27
